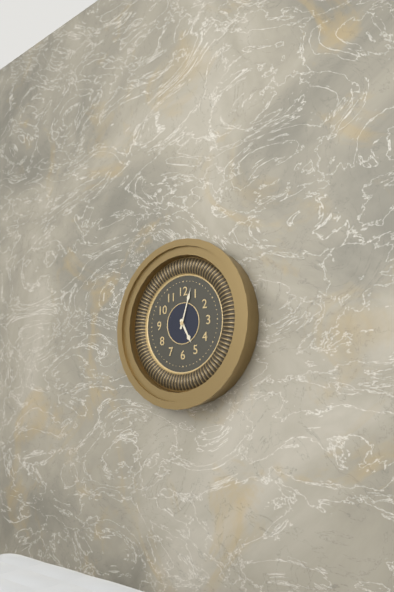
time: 5:03
